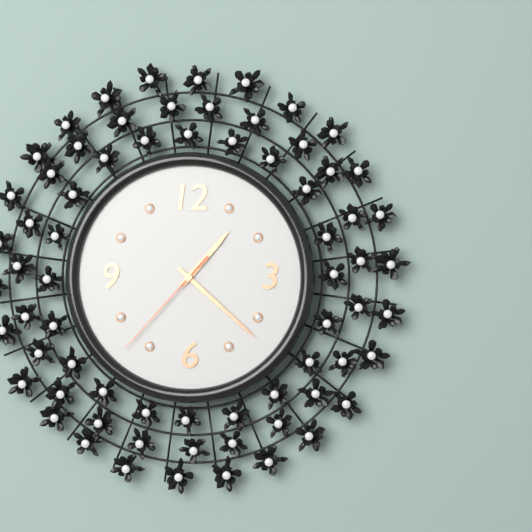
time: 1:22:37
